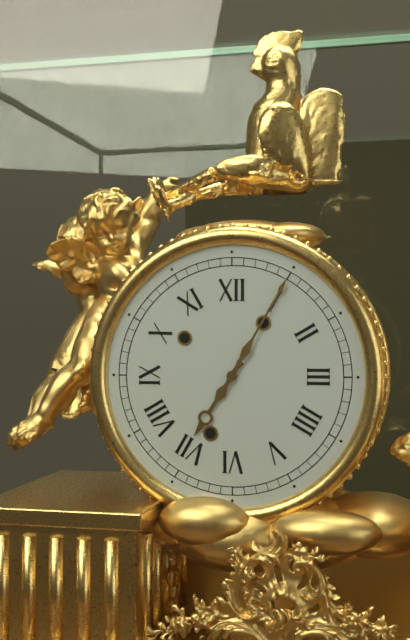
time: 7:05
